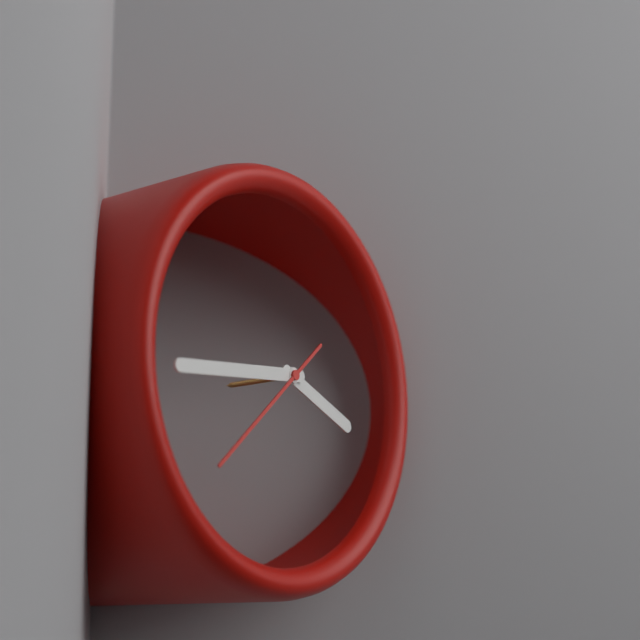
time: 3:44:38
